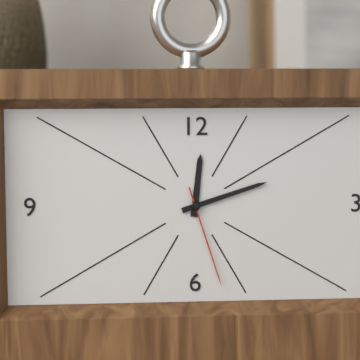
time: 12:12:27
